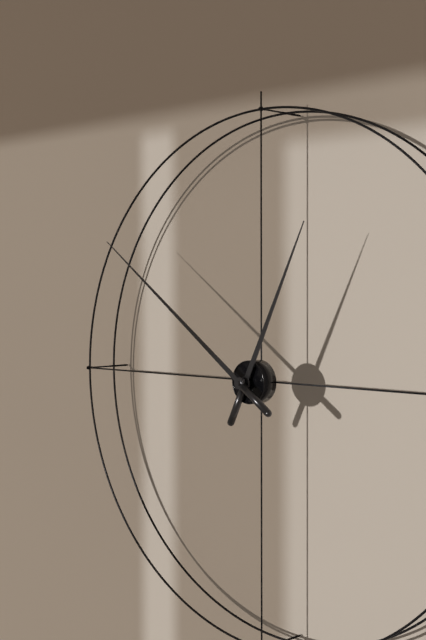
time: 12:51
